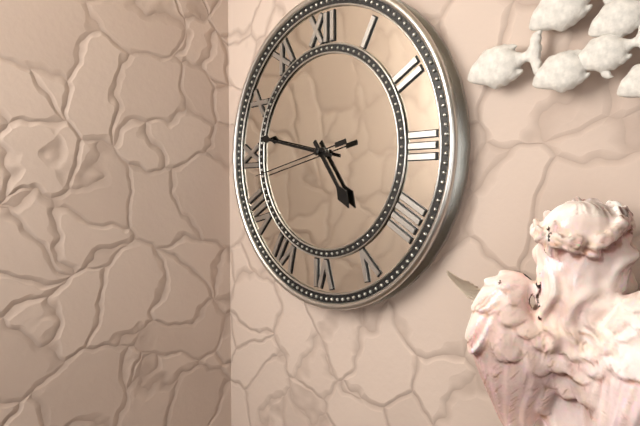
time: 4:47:43
